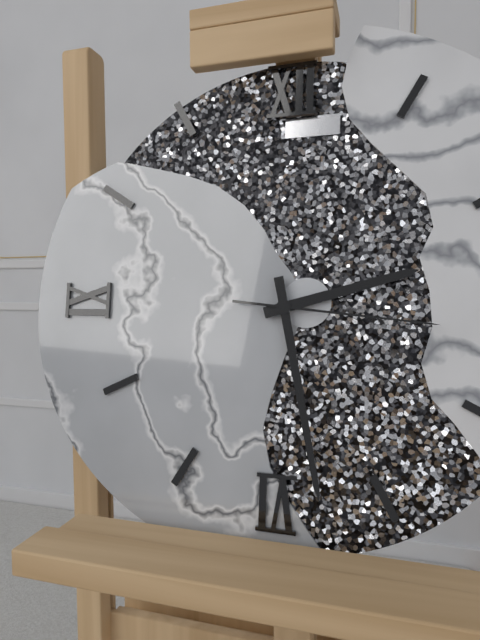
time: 2:28:16
